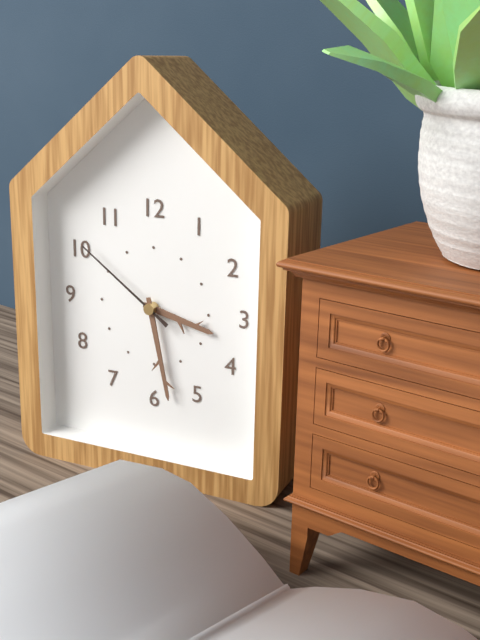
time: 3:28:51
